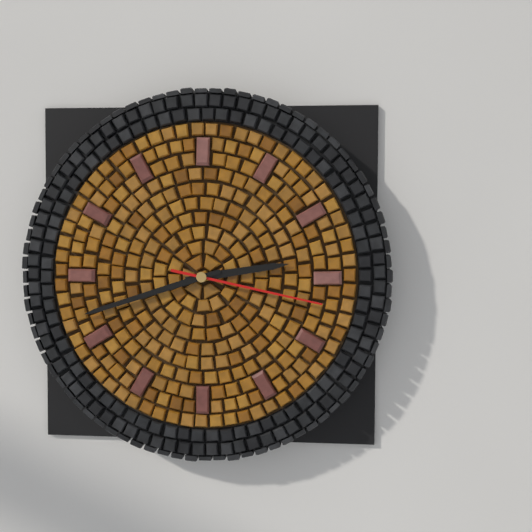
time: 2:42:17
